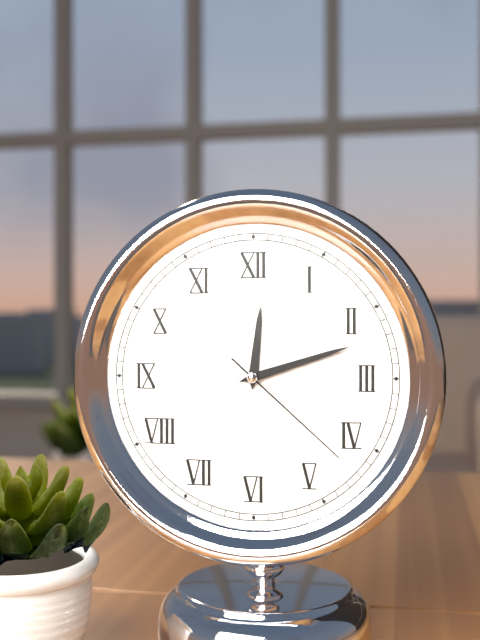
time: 12:12:22
